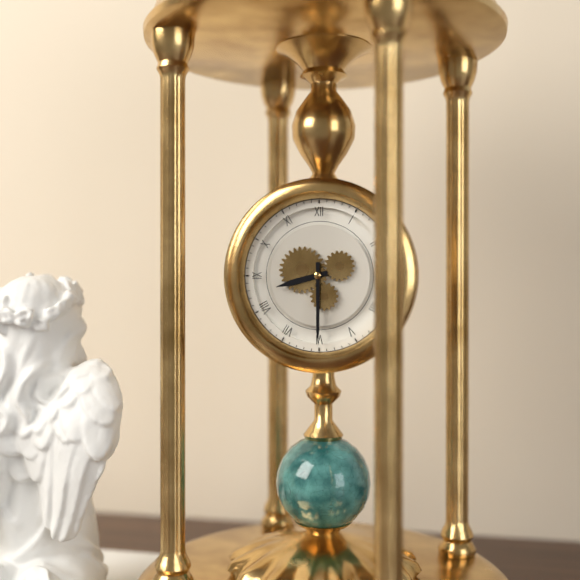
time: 8:30
